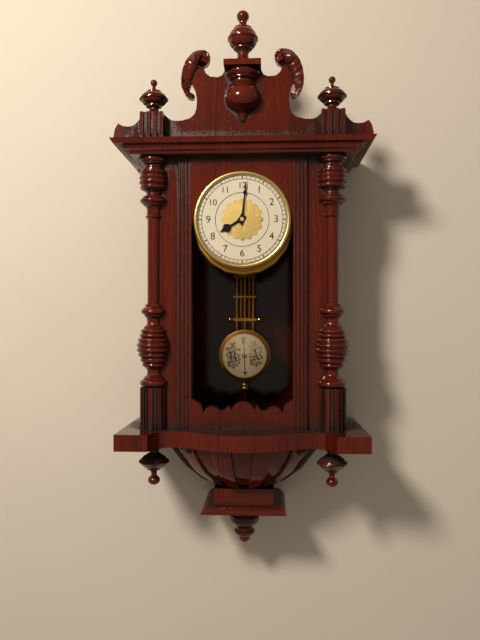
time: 8:01
